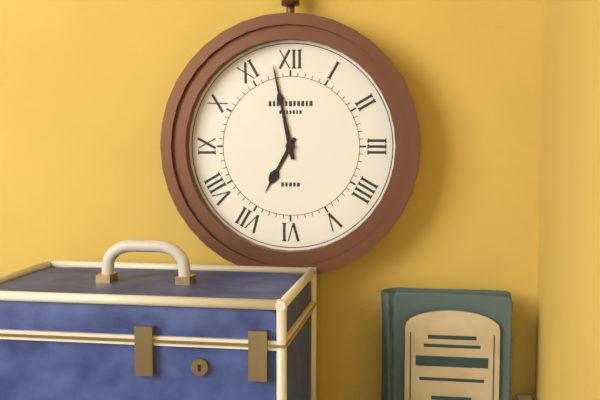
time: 6:58
